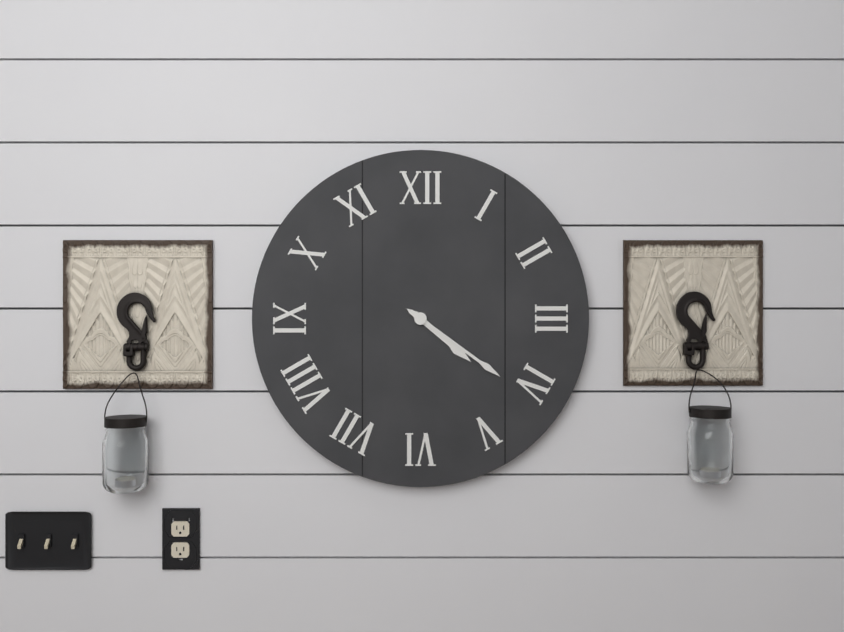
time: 4:21
